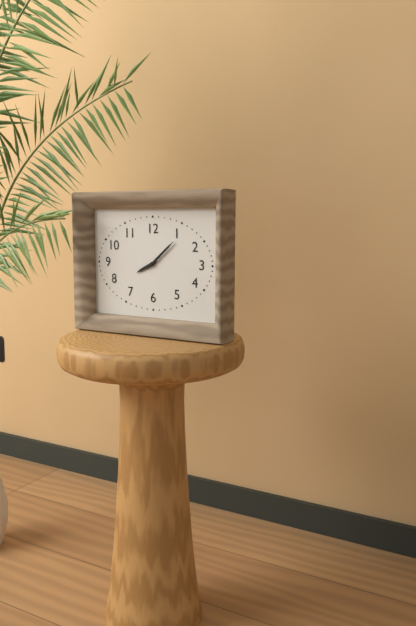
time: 8:08
